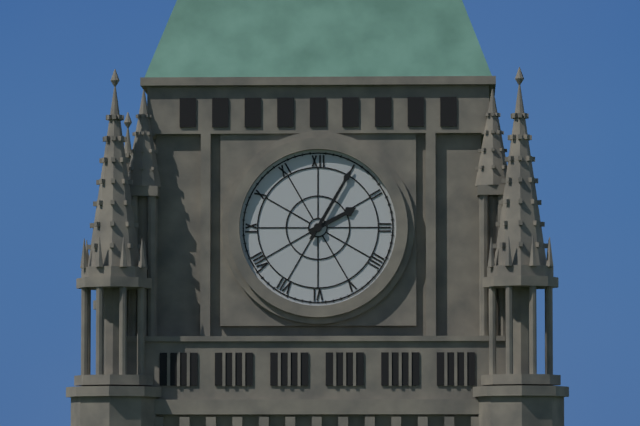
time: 2:05
